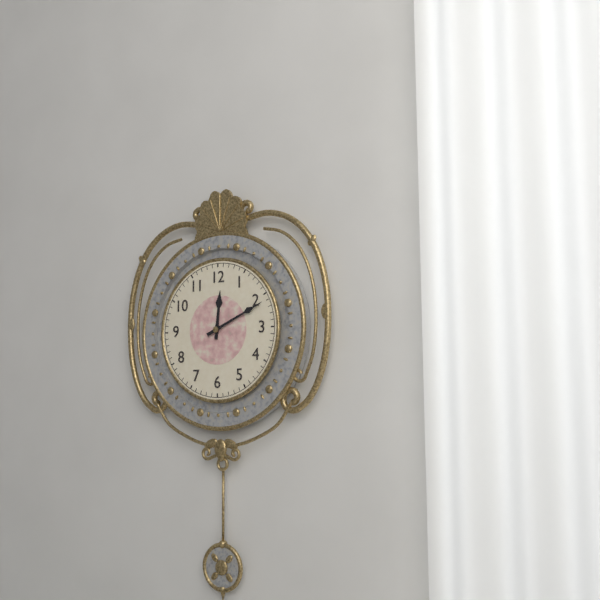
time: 12:11
